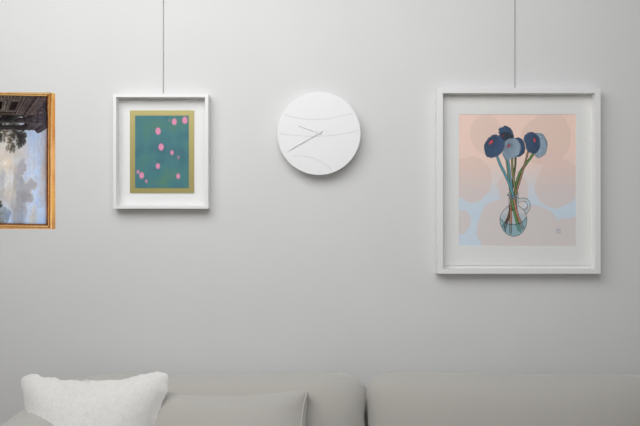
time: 9:40
